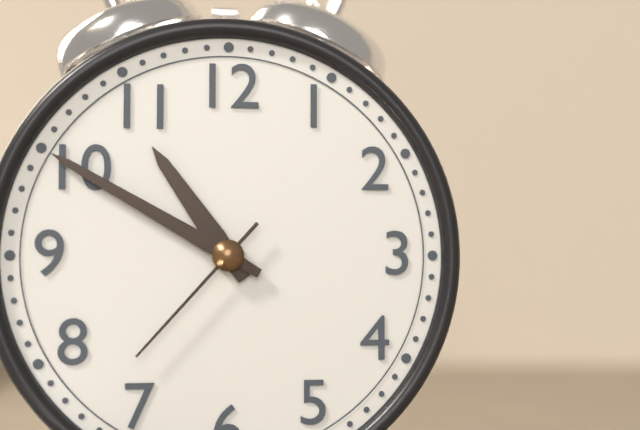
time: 10:50:37
